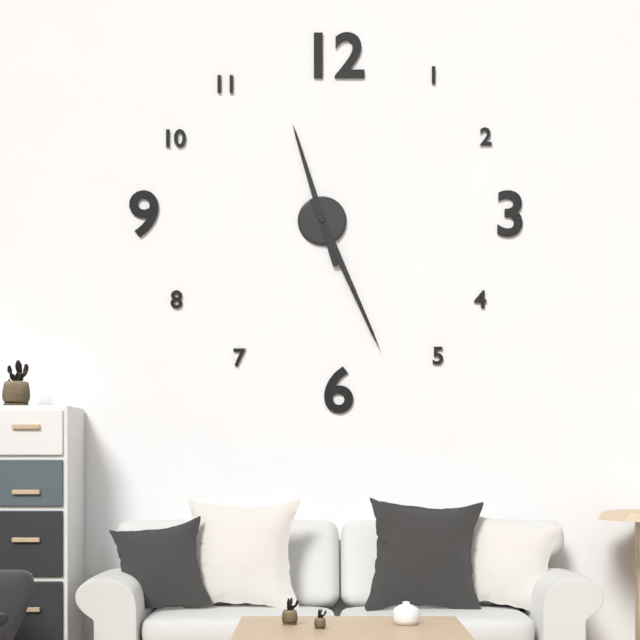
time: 11:26
